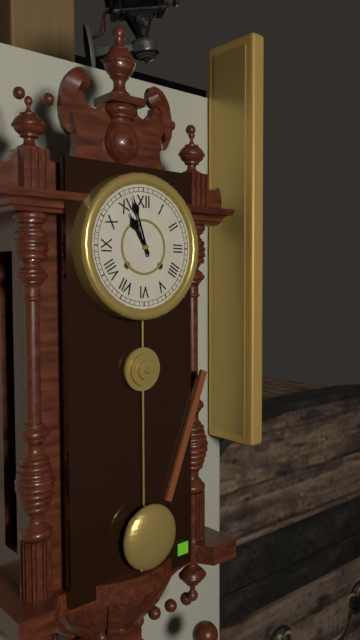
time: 10:57
